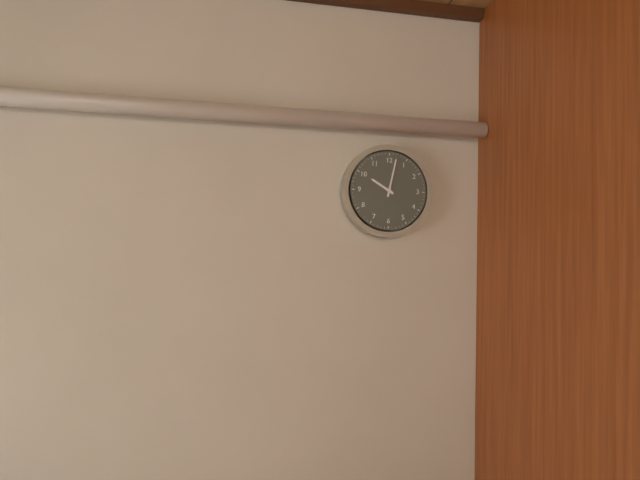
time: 10:02
